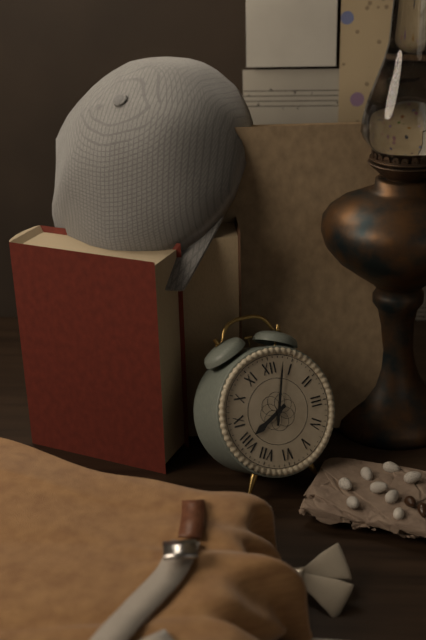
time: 8:03
